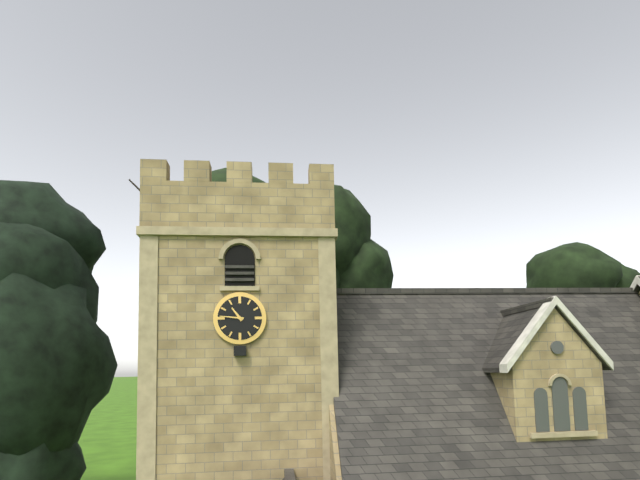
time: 10:46
